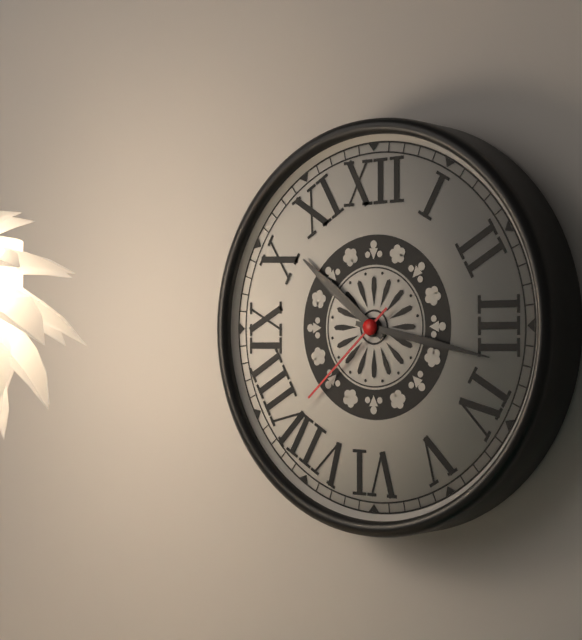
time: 10:17:38
